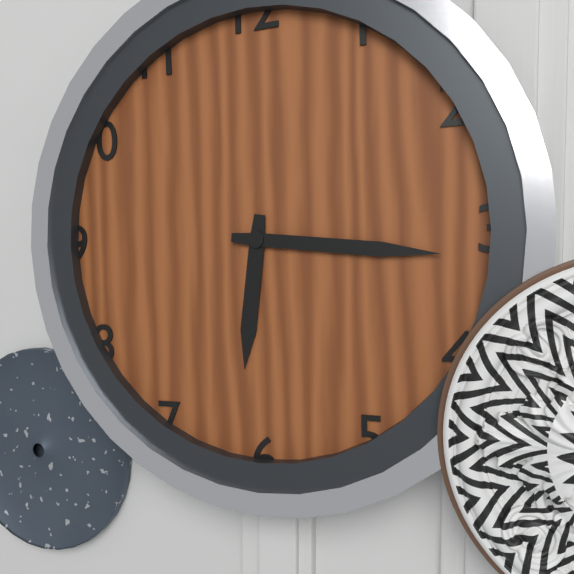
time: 6:16
